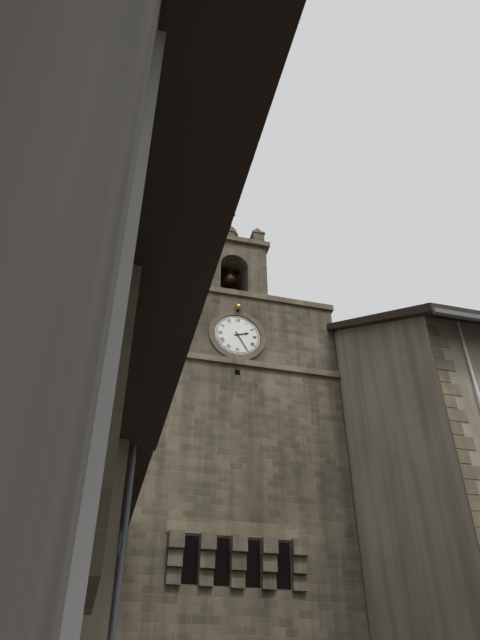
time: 2:25
